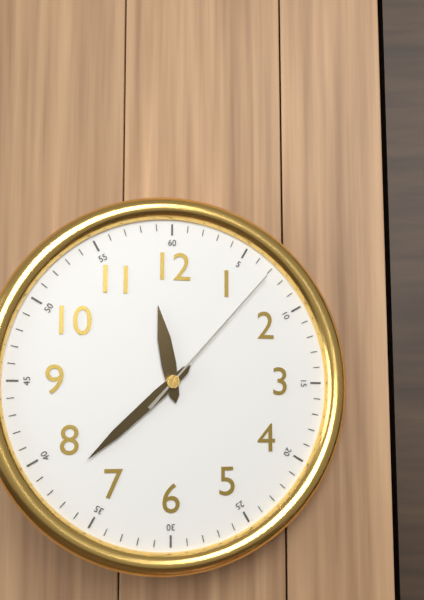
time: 11:38:07
